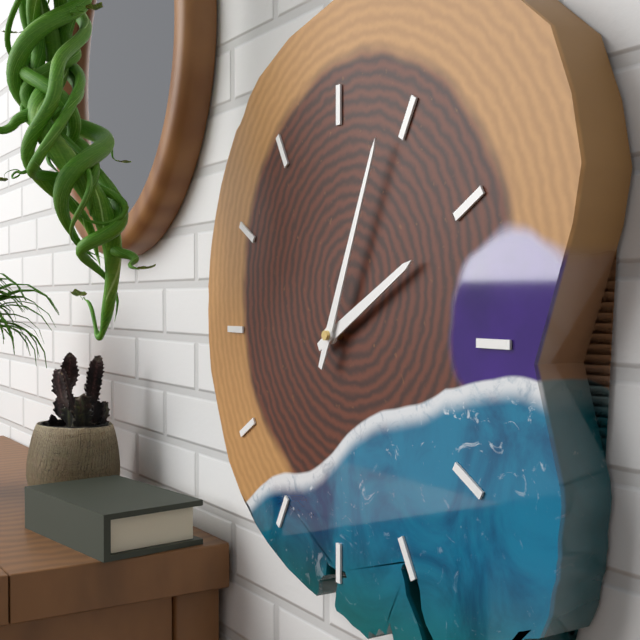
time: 2:04
